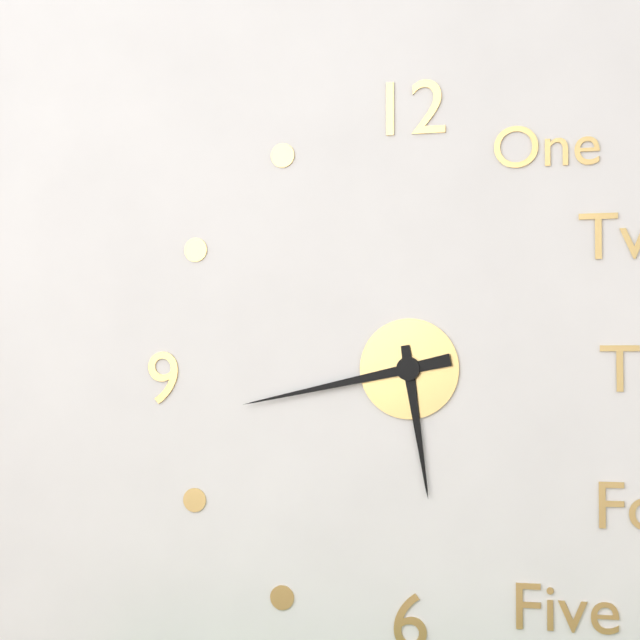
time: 5:43
